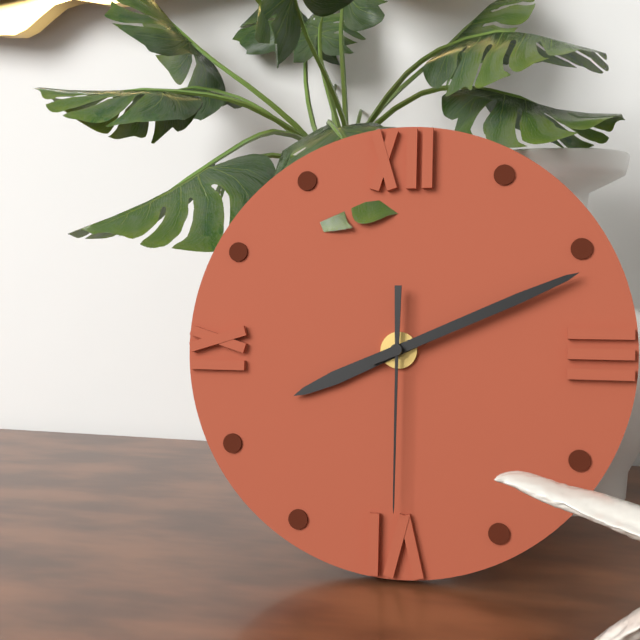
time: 8:11:30
